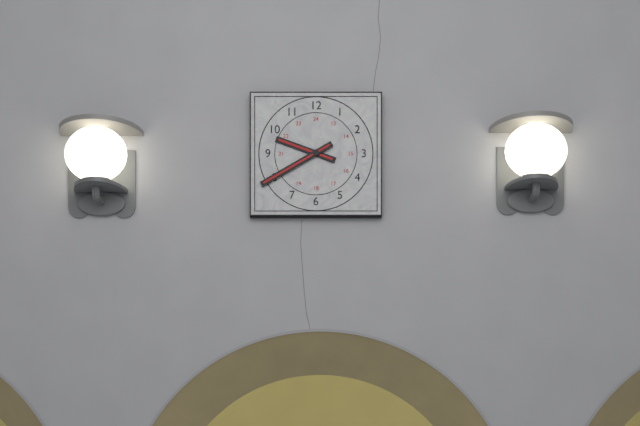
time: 9:40
